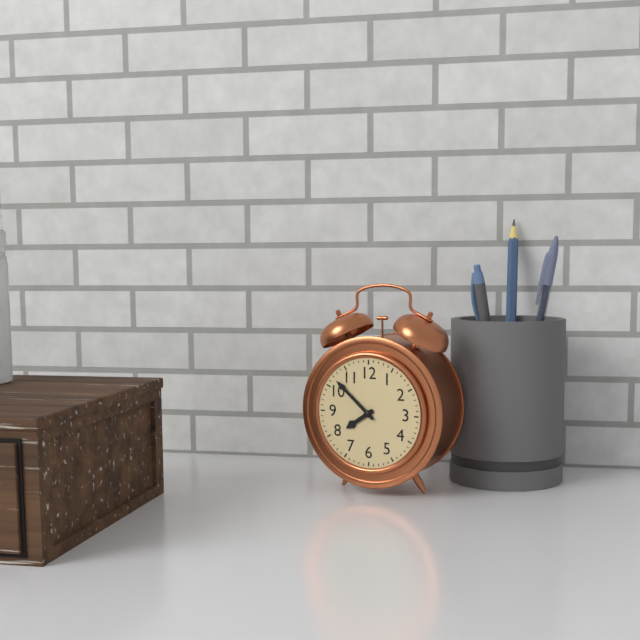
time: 7:52
